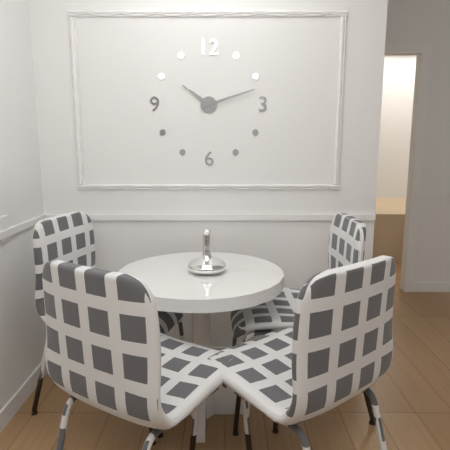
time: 10:12
